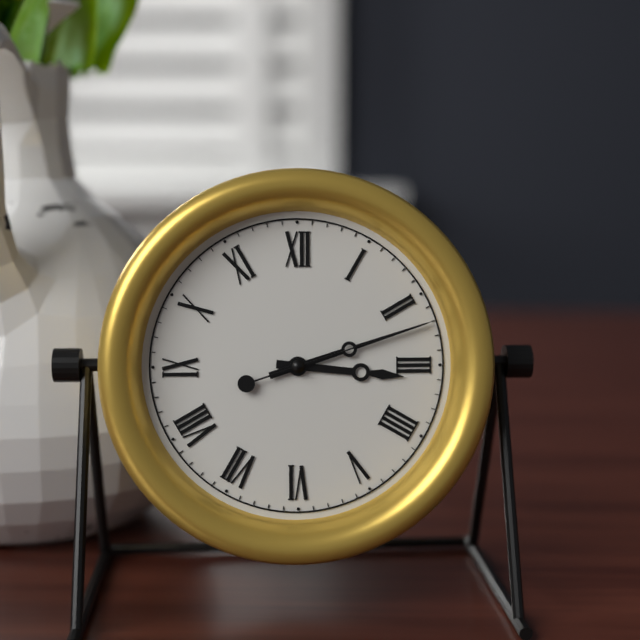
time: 3:12:12
